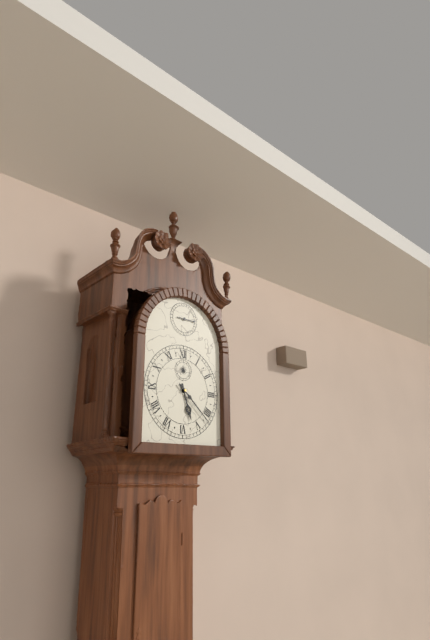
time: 5:22
